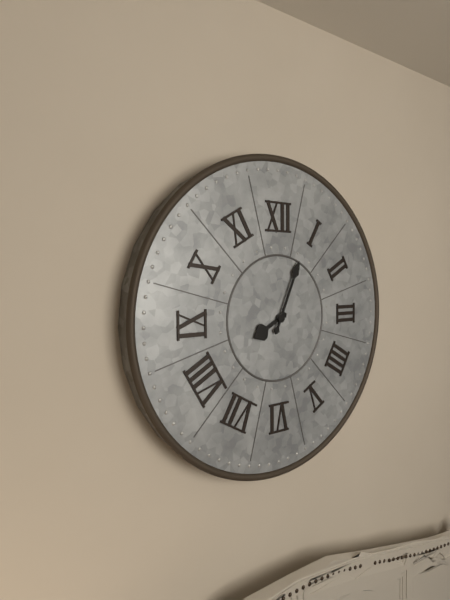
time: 8:04
